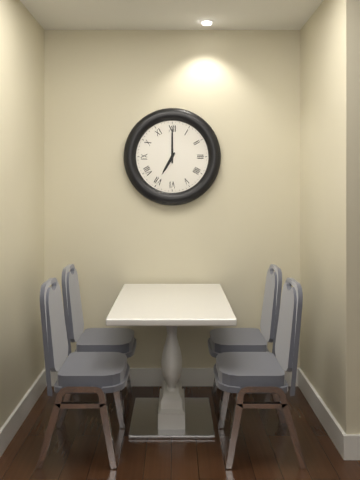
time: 7:00
